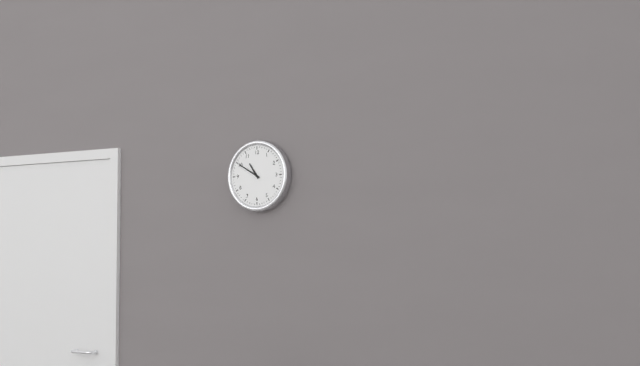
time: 10:50
